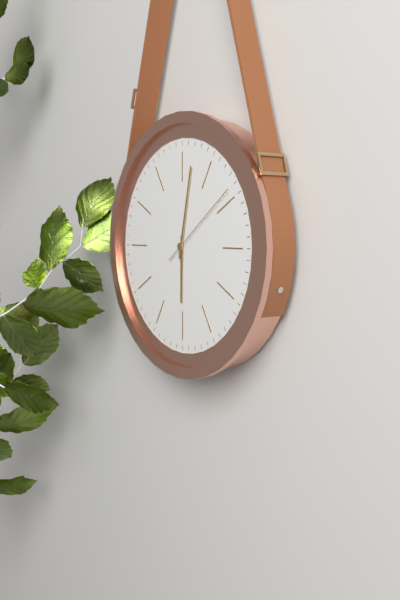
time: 6:02:09
